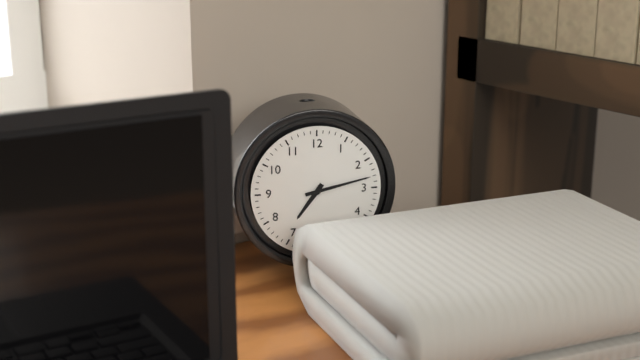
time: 7:13
